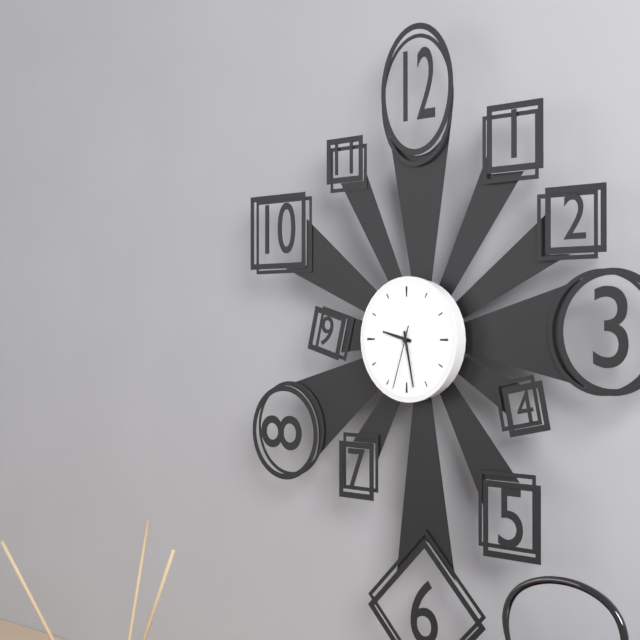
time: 9:28:33
